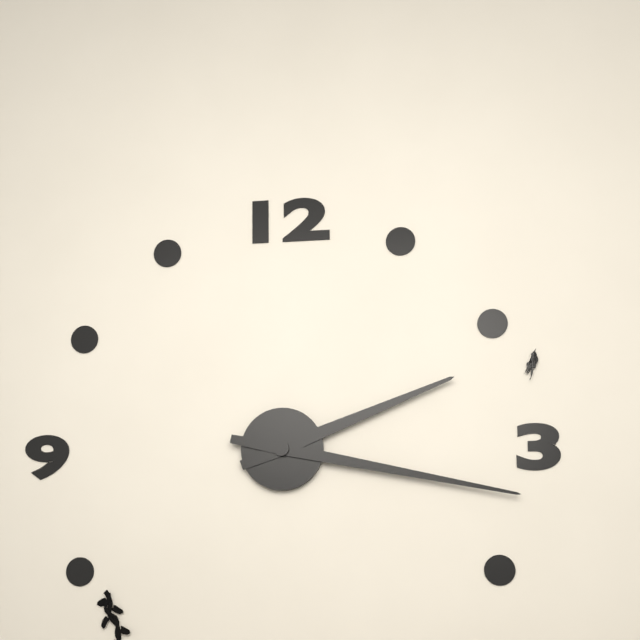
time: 2:17
